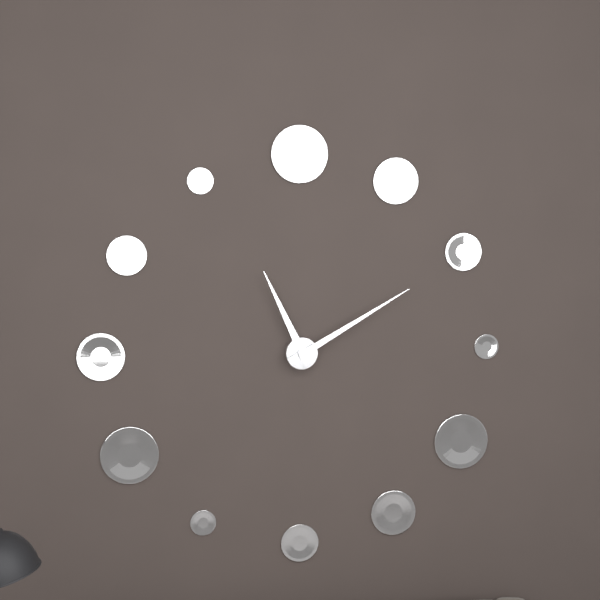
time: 11:10
